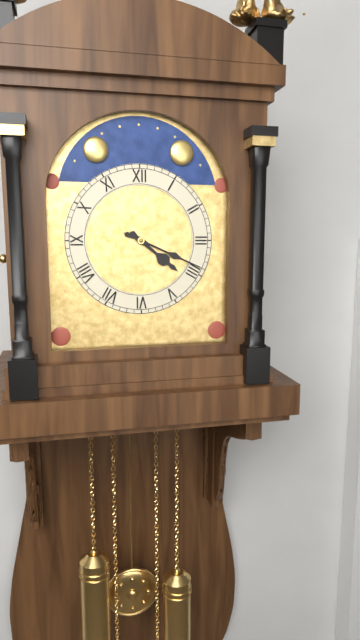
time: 4:19
